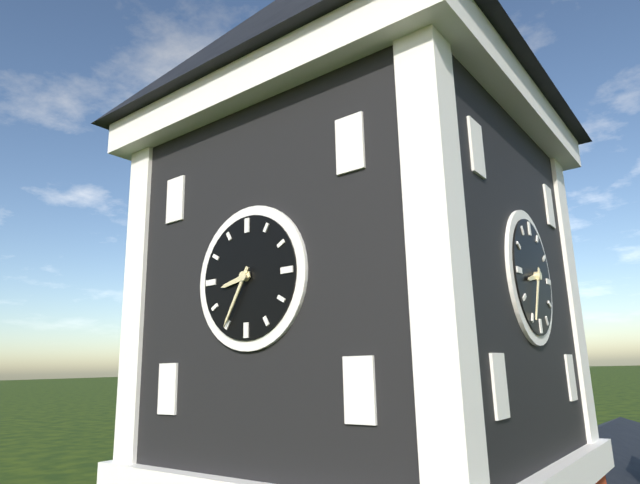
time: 8:35
